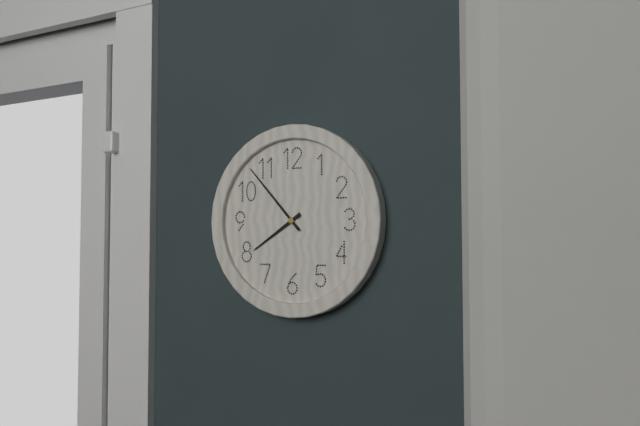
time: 7:53
